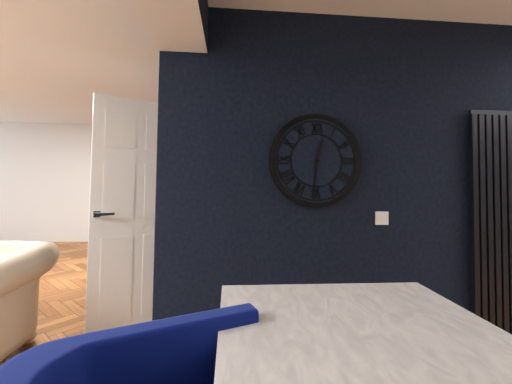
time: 12:31
